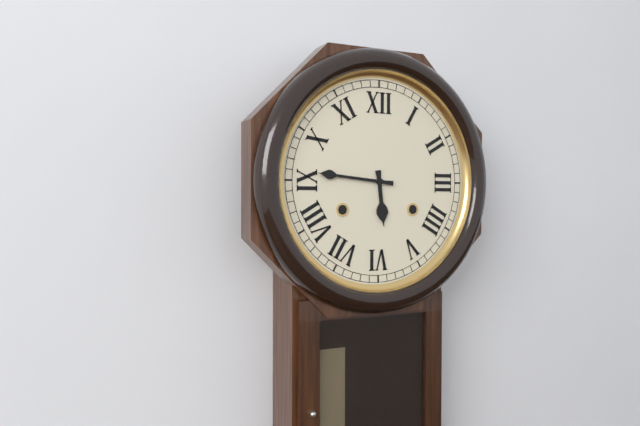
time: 5:46
